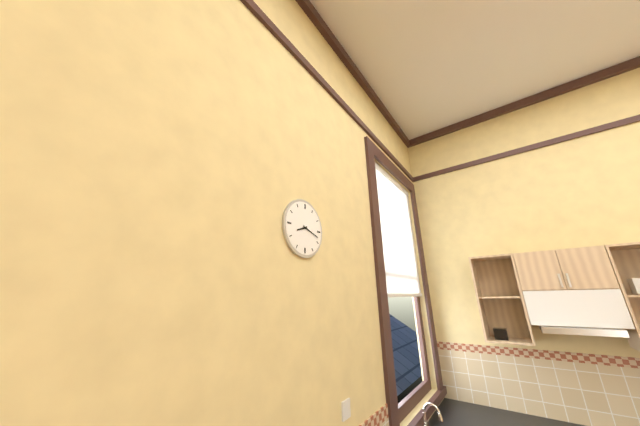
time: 8:18
